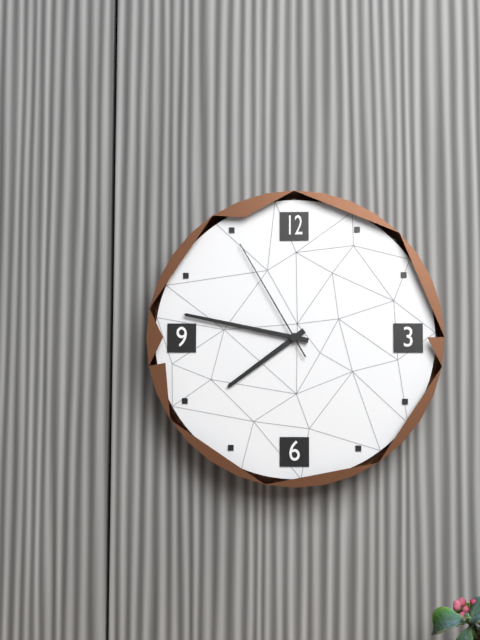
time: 7:47:55
